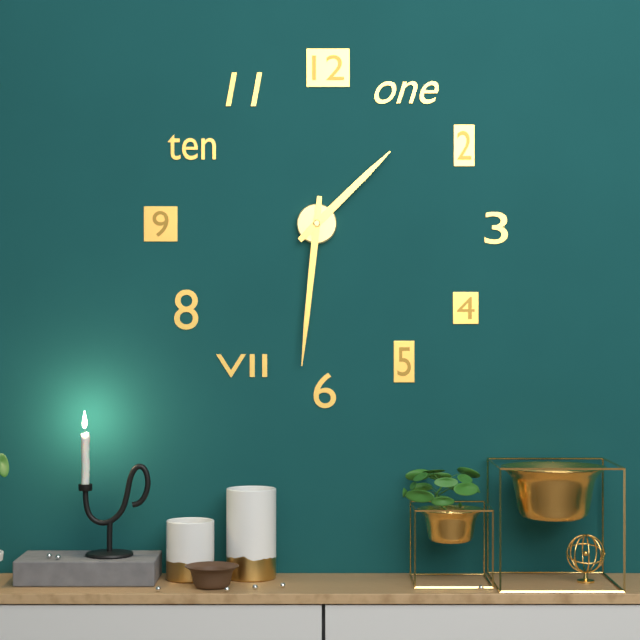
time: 1:31
